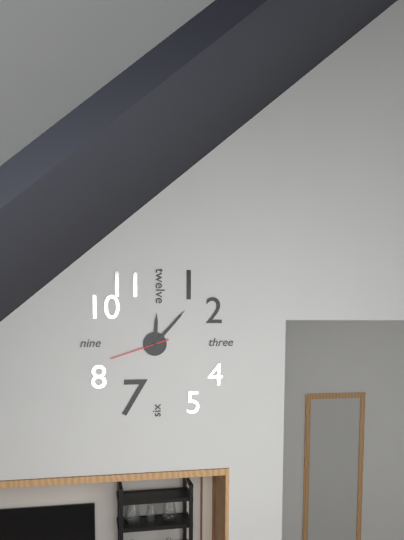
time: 12:07:42
